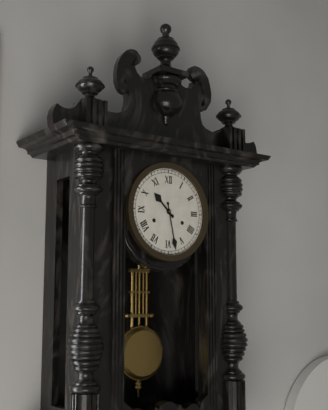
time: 10:28
